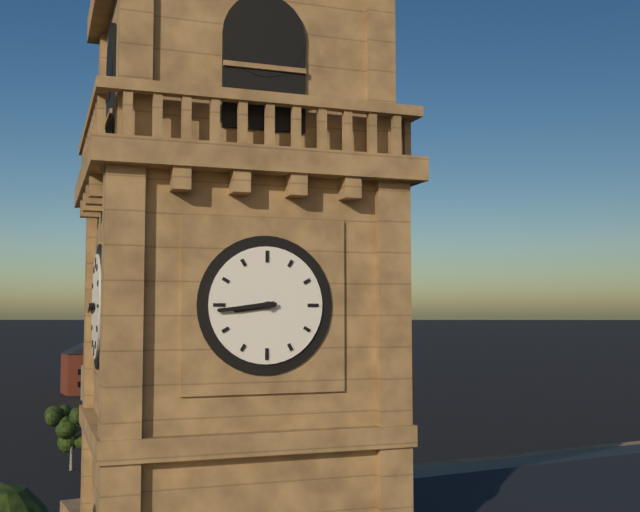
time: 8:44
